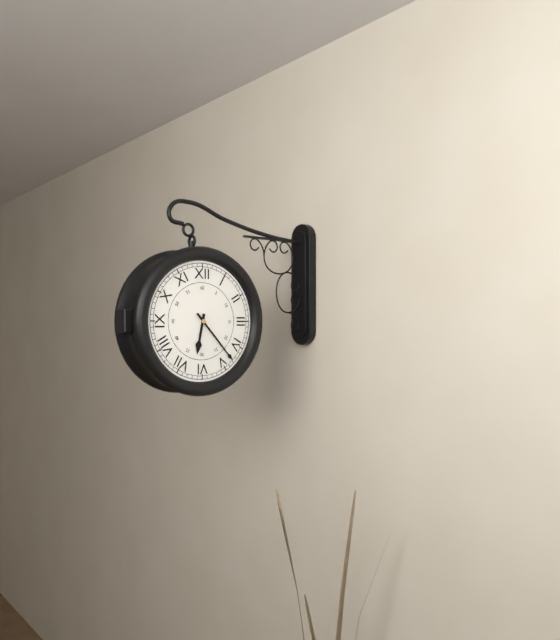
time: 6:23
